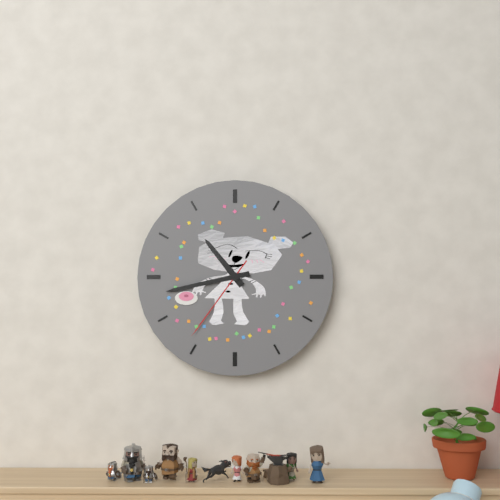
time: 10:43:36
